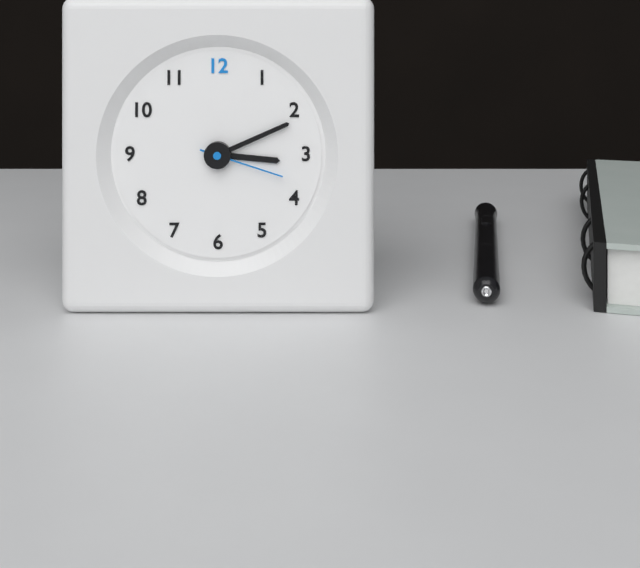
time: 3:11:18
